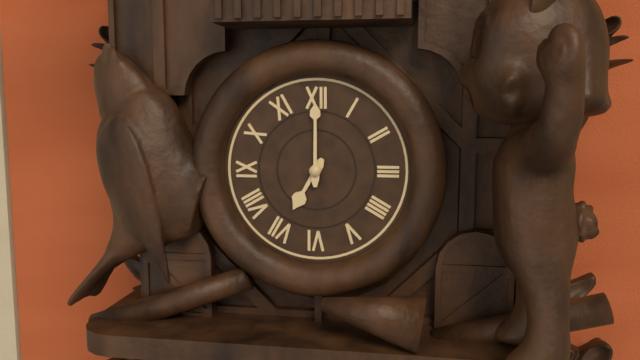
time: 7:00
